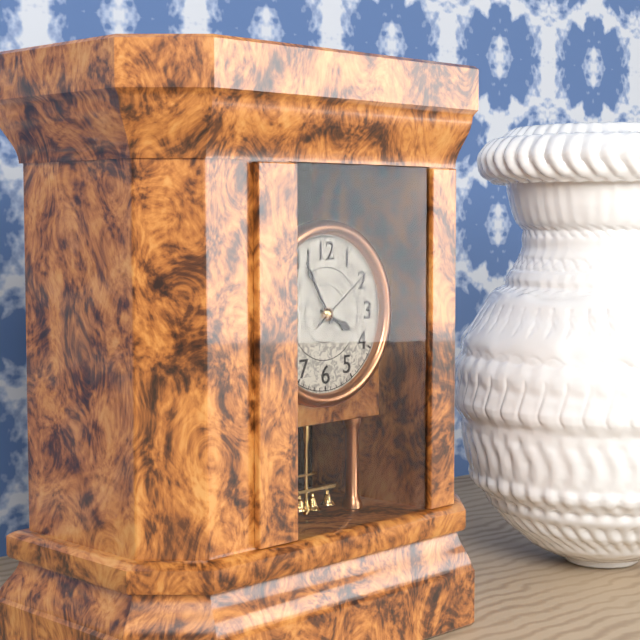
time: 3:55:09
